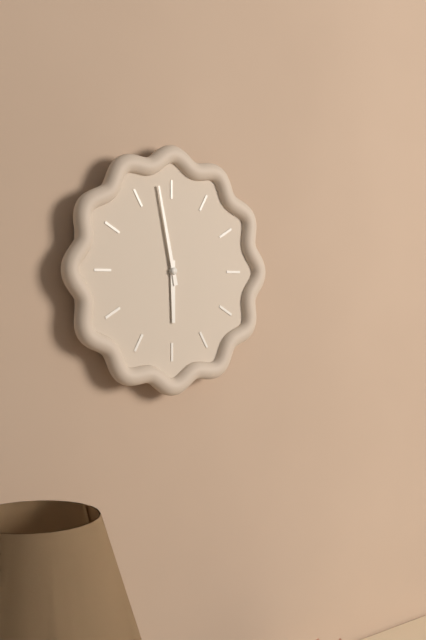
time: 5:58
